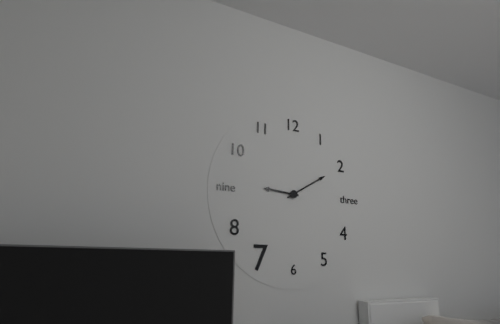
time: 9:10
